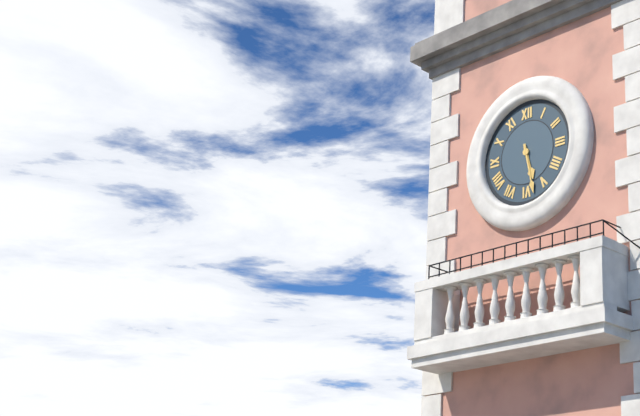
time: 5:28
